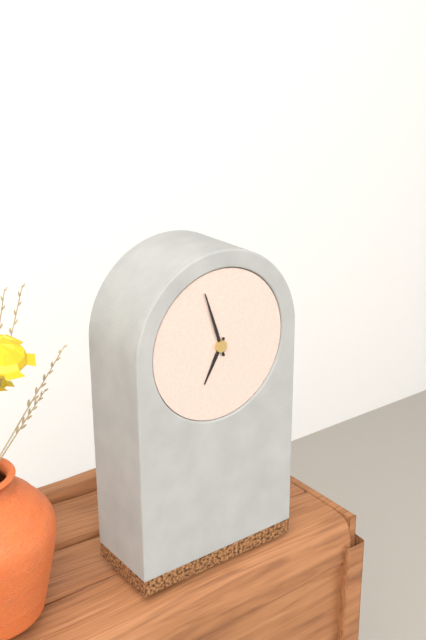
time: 6:57
